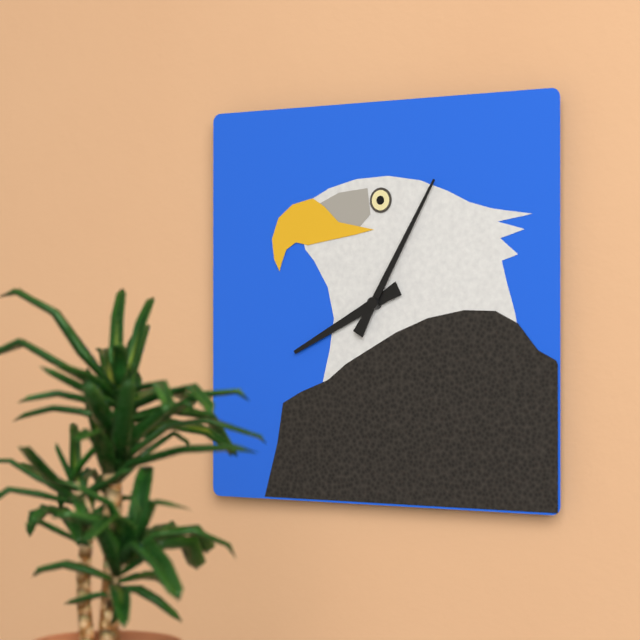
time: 8:05
